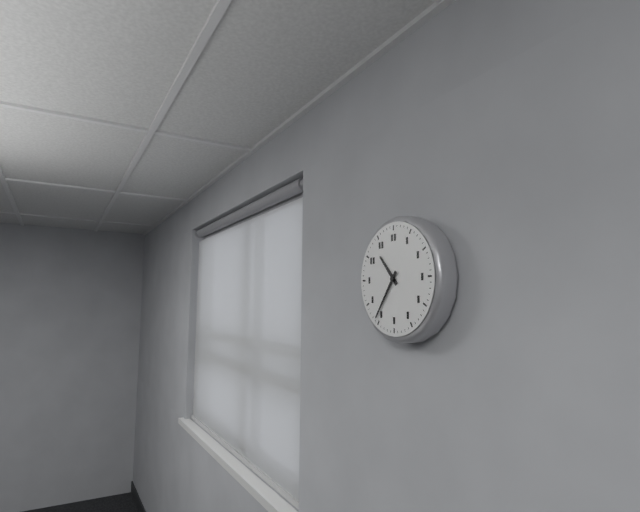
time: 10:36
